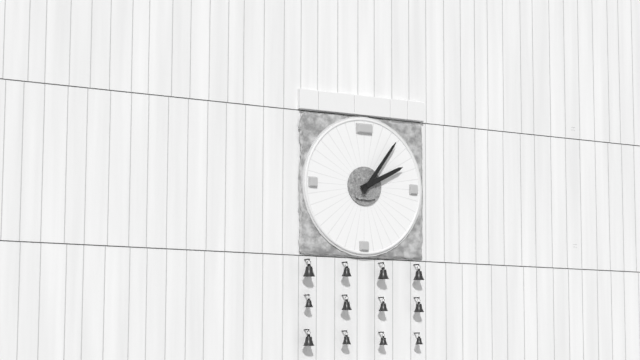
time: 2:06
